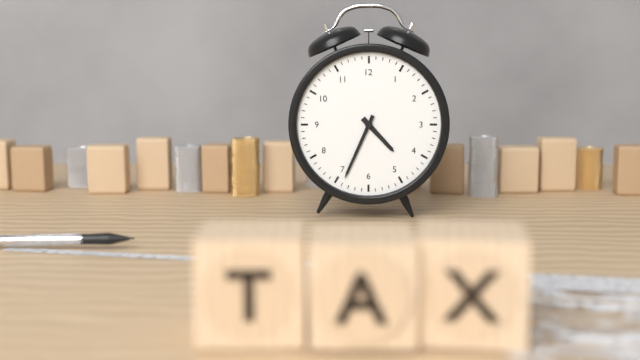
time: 4:34
